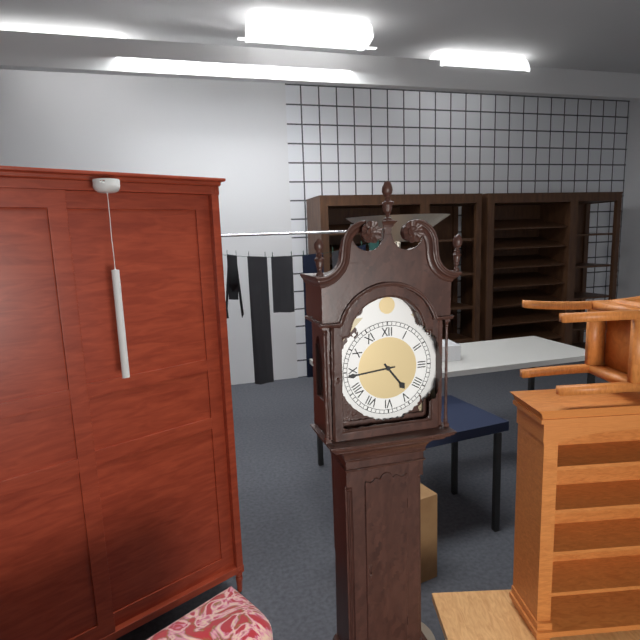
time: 4:44
